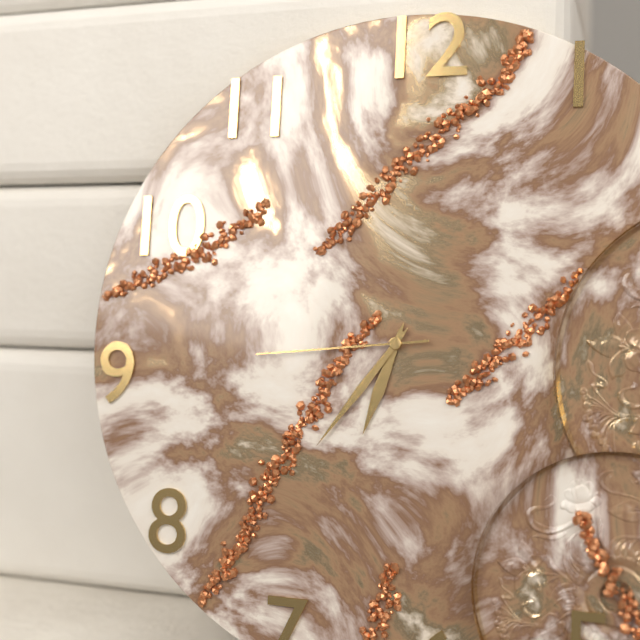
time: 6:36:44
